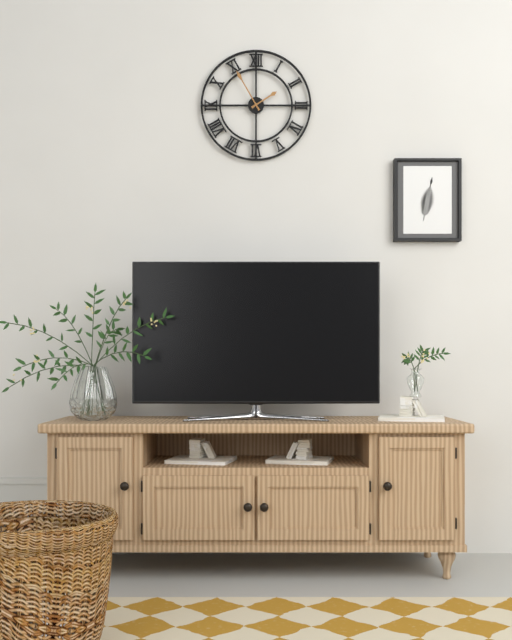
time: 1:55
